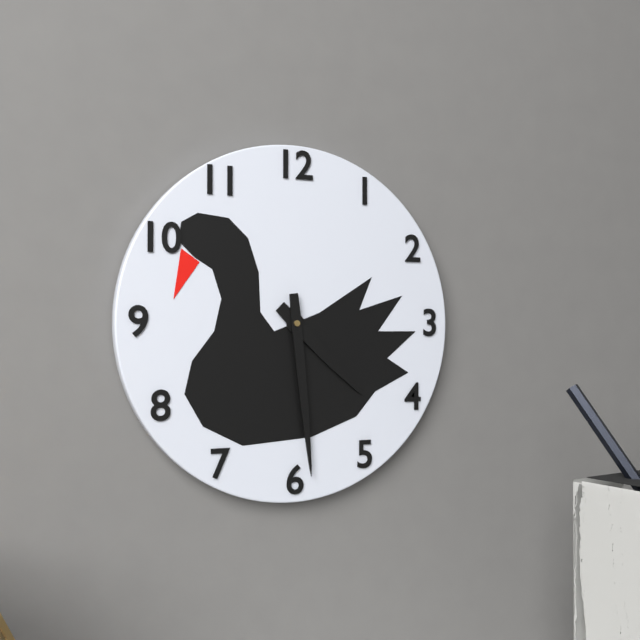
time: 4:29
